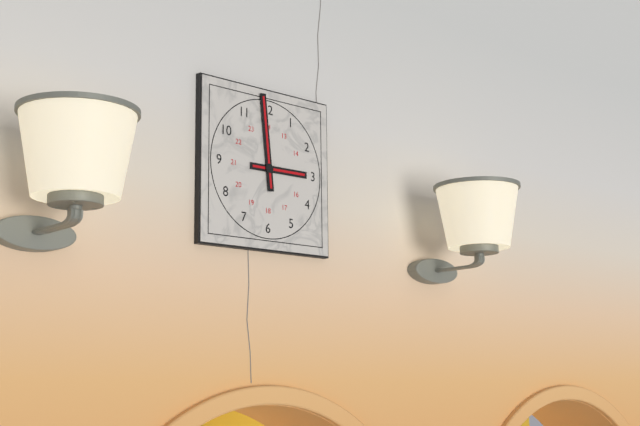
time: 2:59
